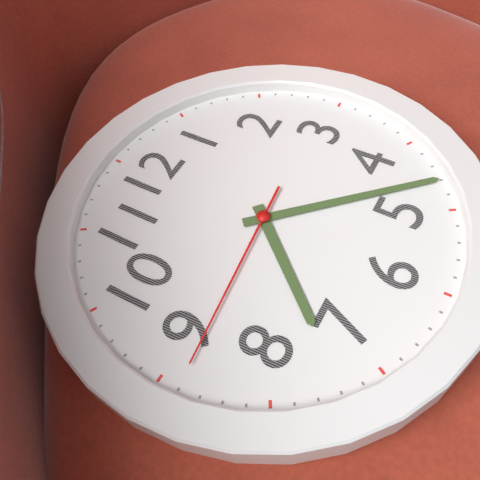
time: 7:23:44
